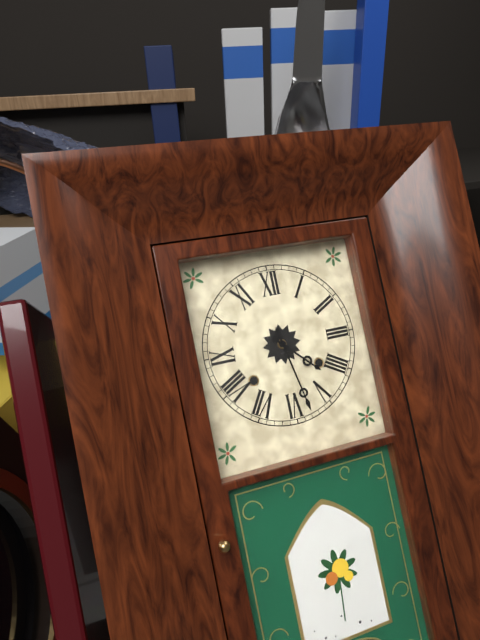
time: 4:28
